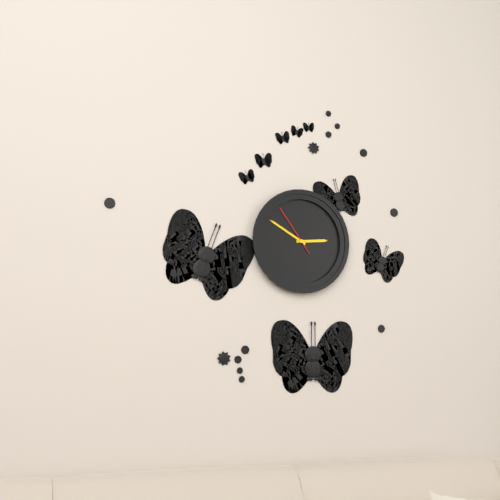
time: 2:50:54
